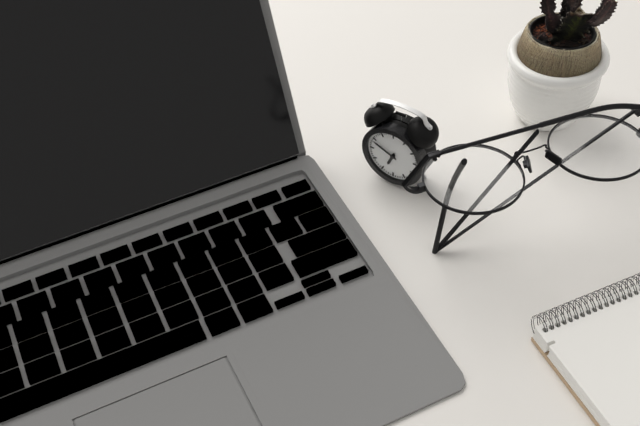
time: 6:49
